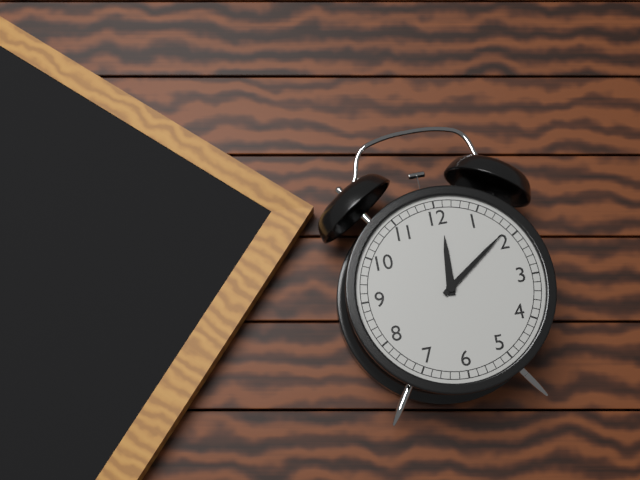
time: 12:09
